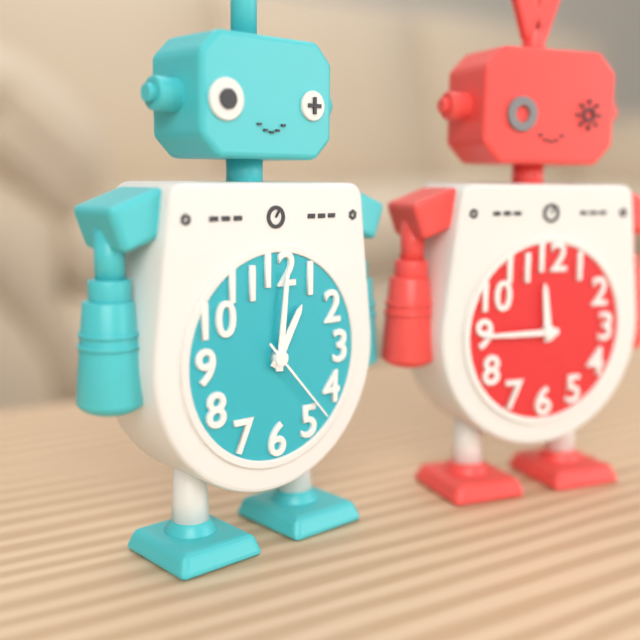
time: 1:01:23
